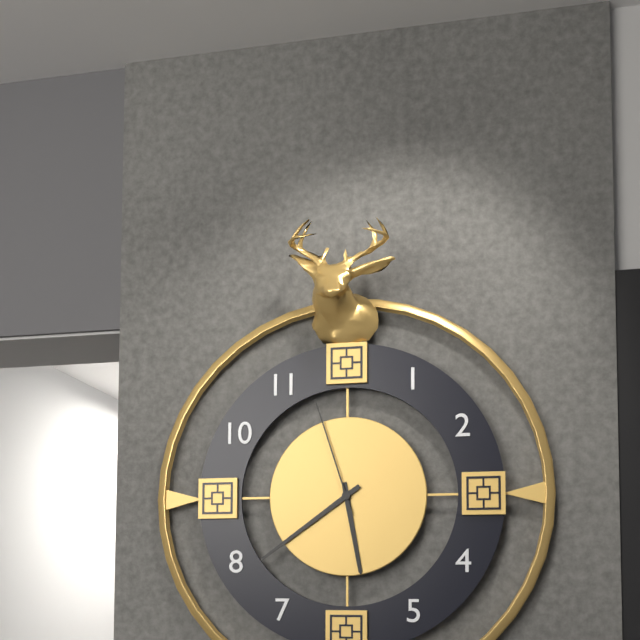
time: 5:39:57
